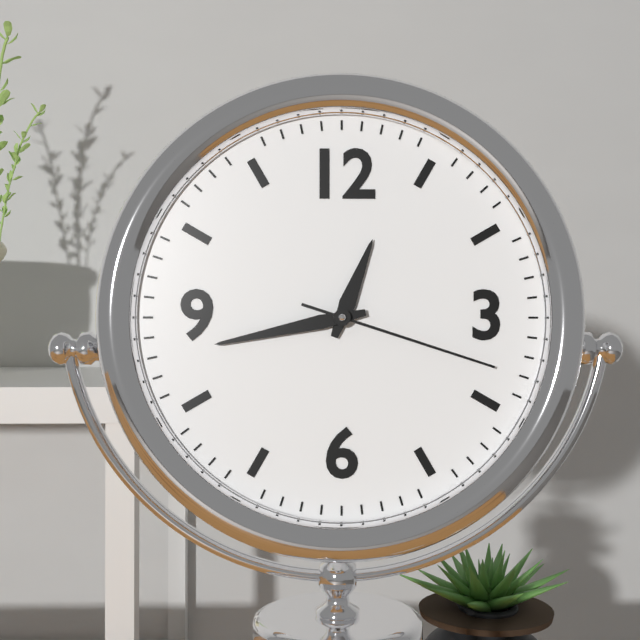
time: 12:43:18
